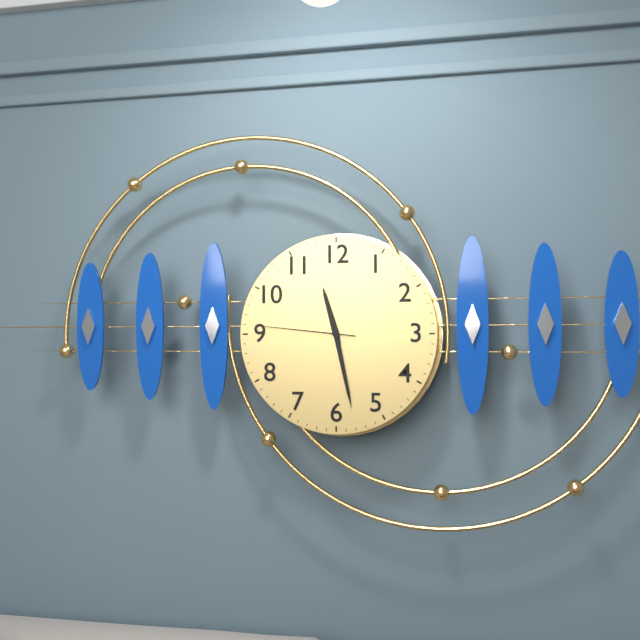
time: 11:28:46
